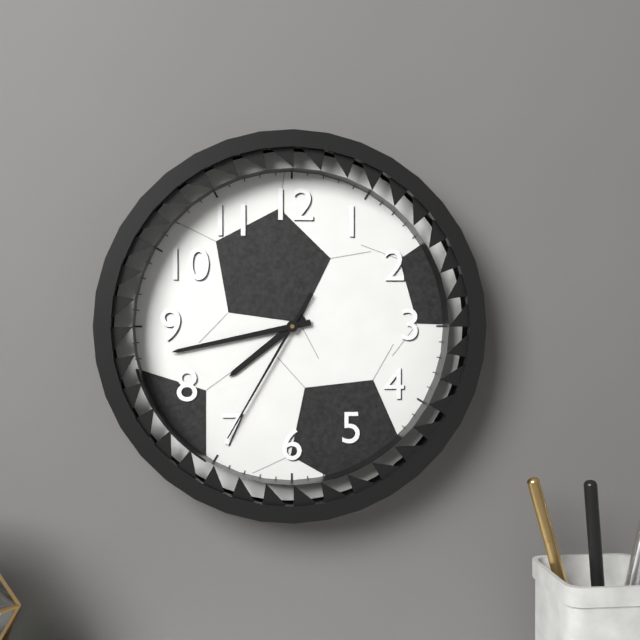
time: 7:43:35
